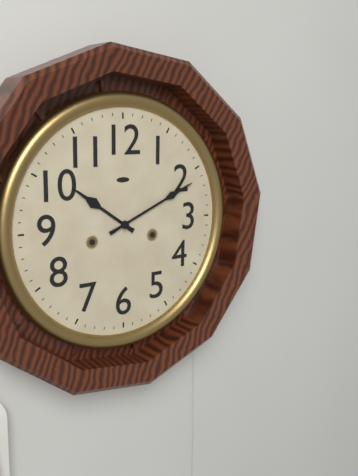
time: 10:11
